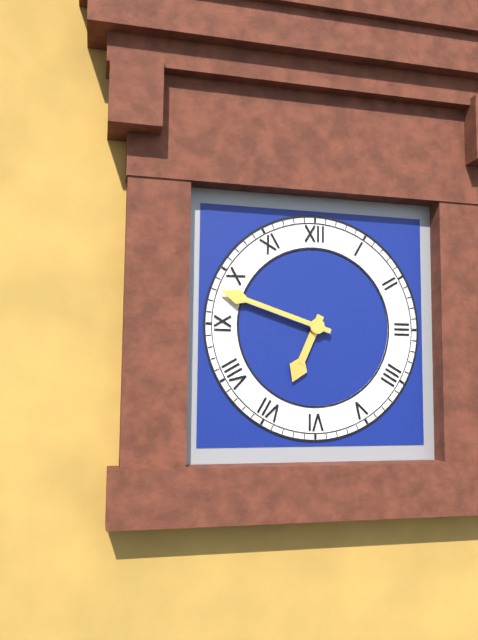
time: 6:48
